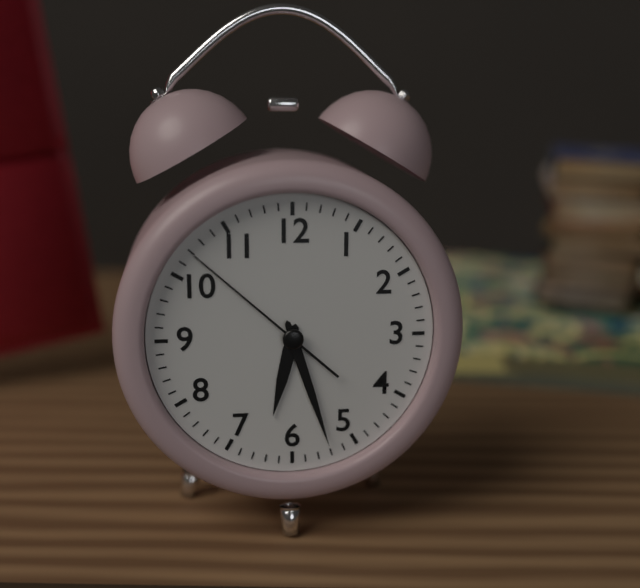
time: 6:27:52
